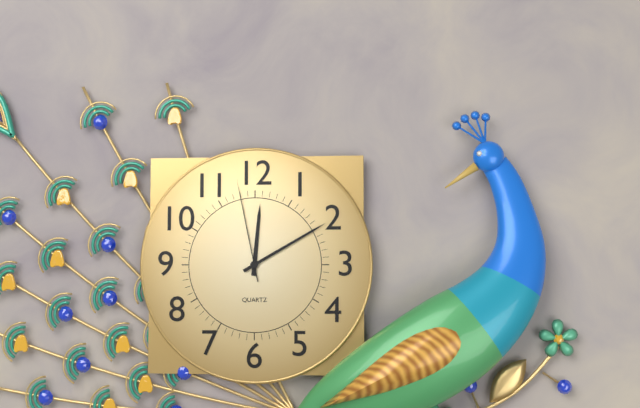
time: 12:10:58
